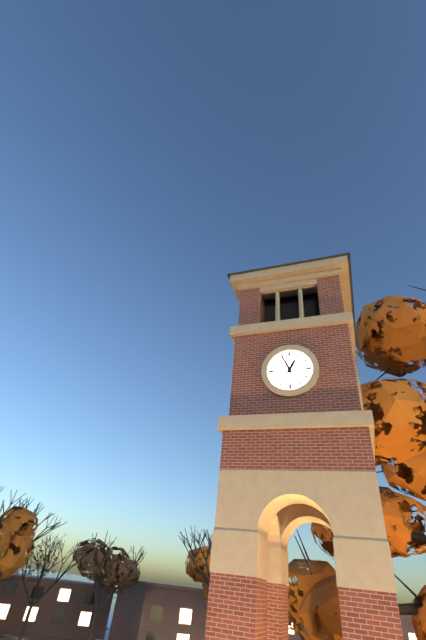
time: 12:56
